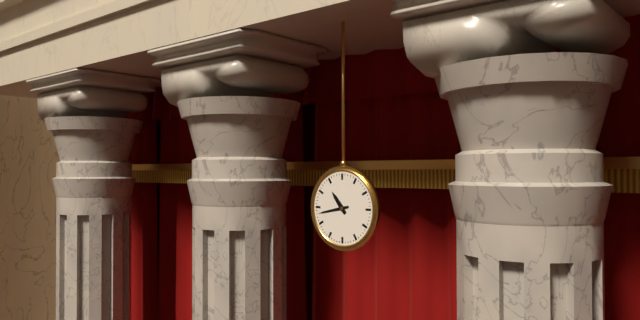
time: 10:43
